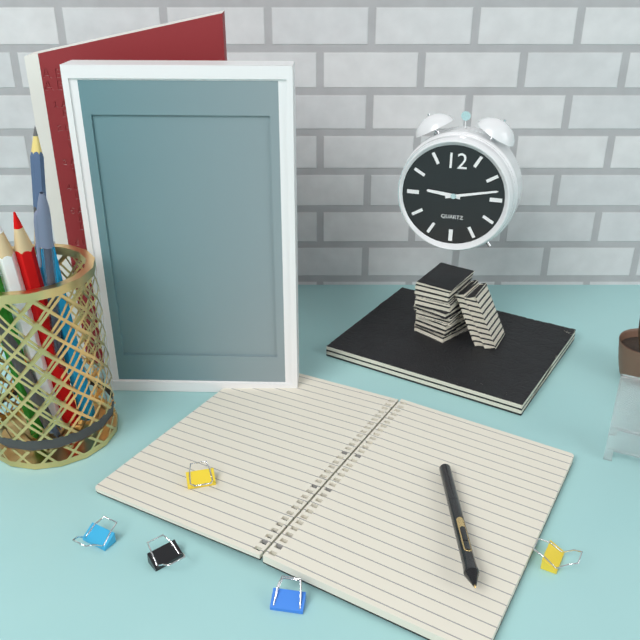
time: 9:13
